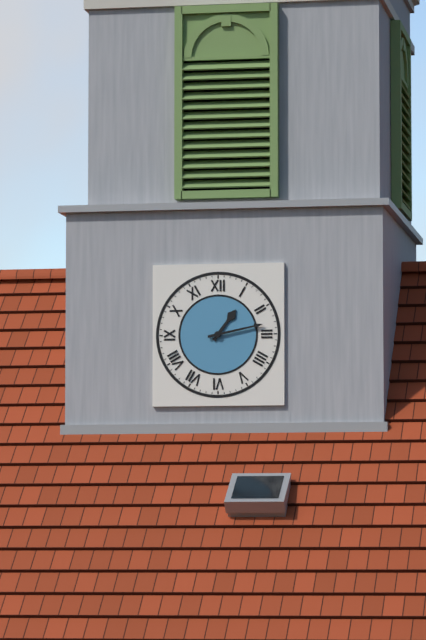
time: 1:13
